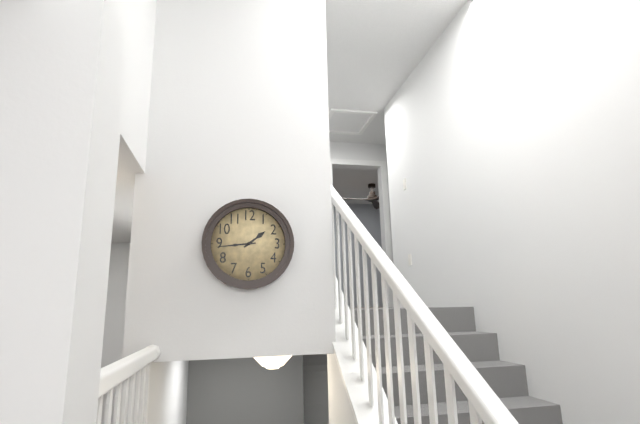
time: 1:44
